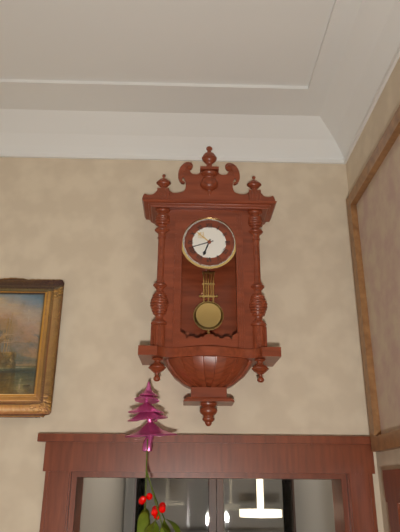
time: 6:42
